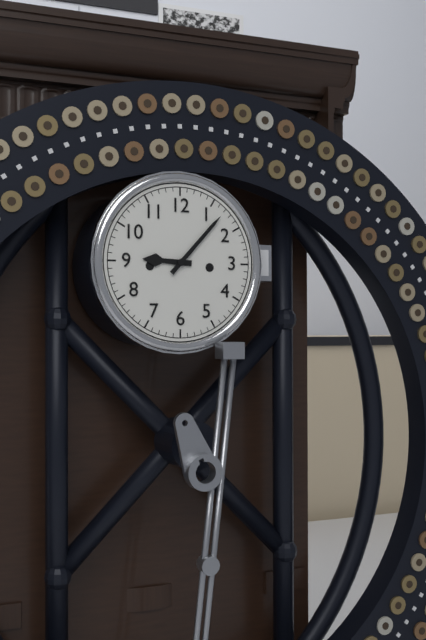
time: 9:07
